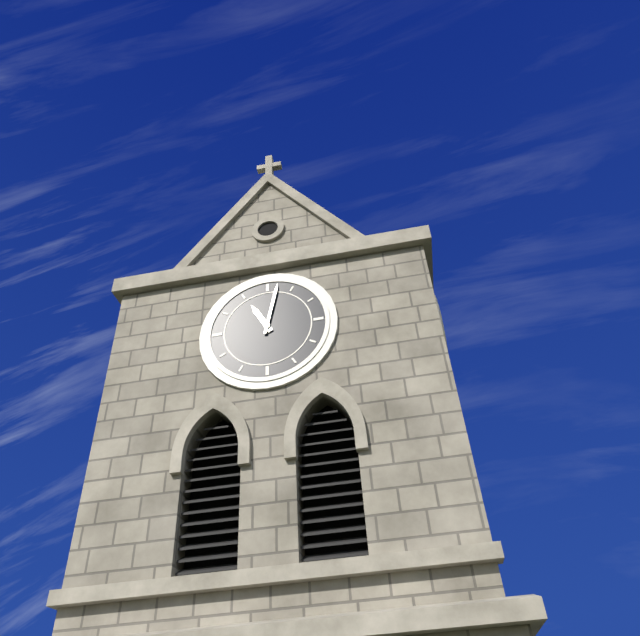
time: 11:02
